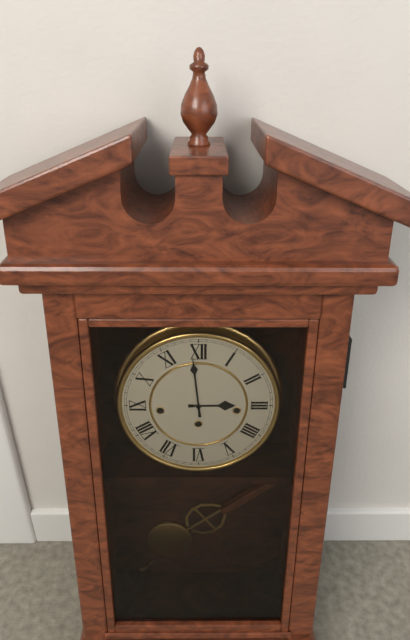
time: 2:59
